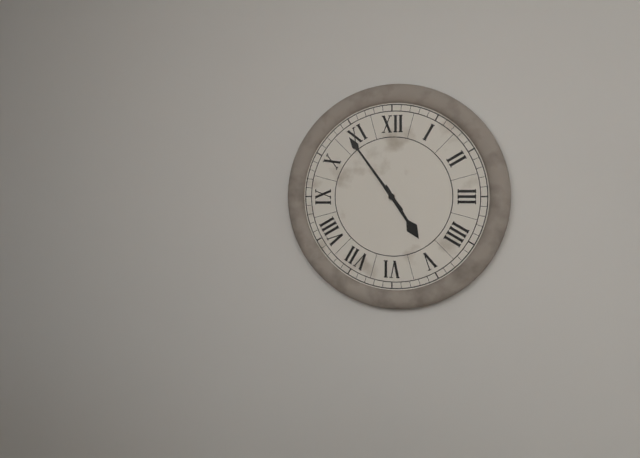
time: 4:54
